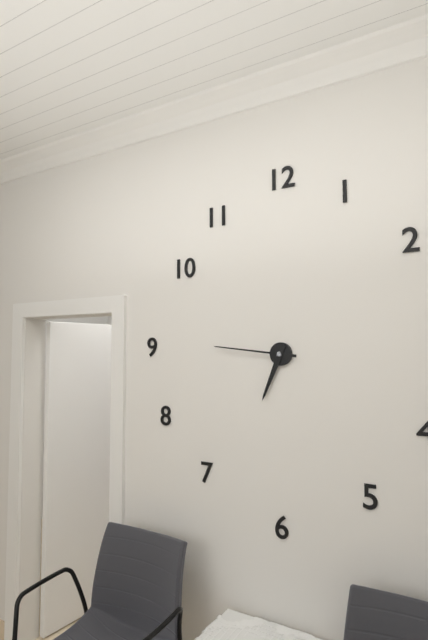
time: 6:46
